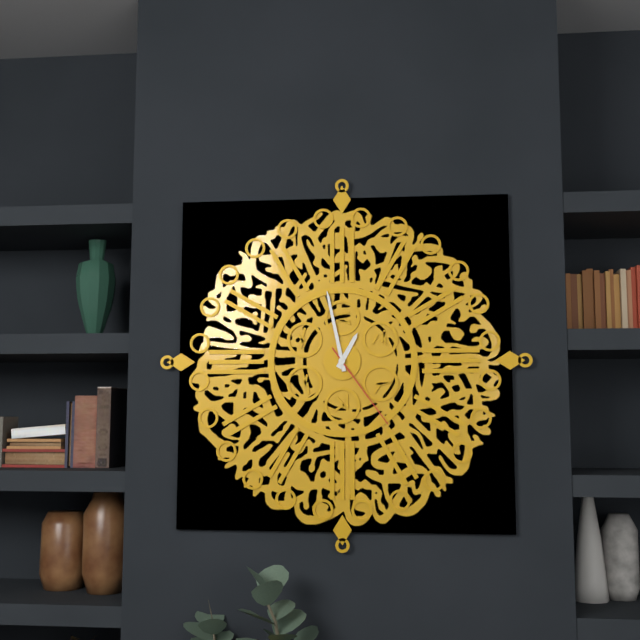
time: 12:58:24
